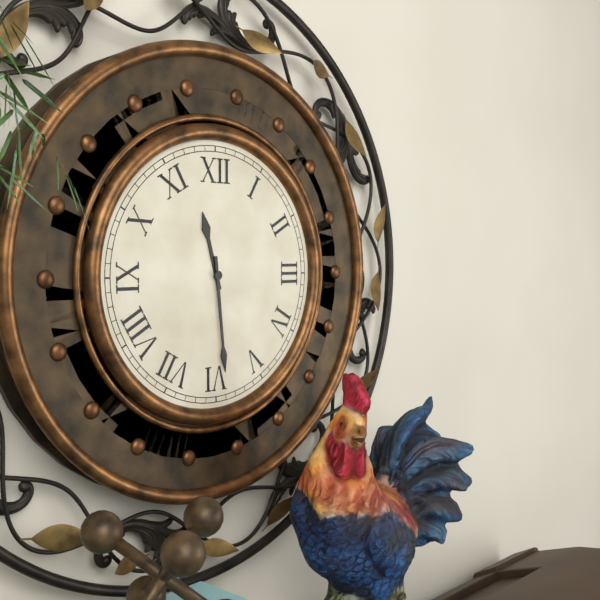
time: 11:29
